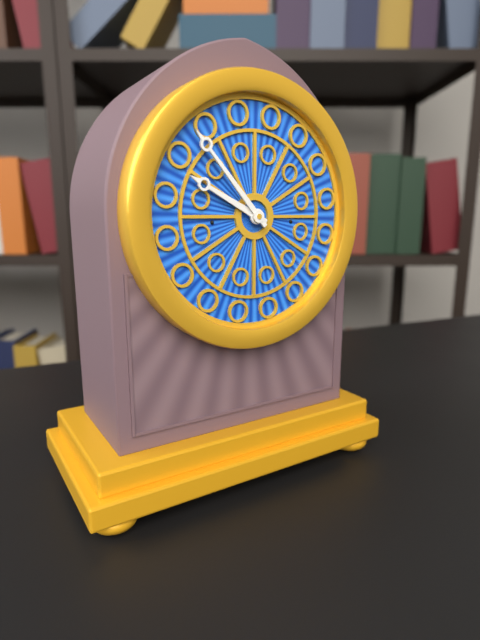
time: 9:53
